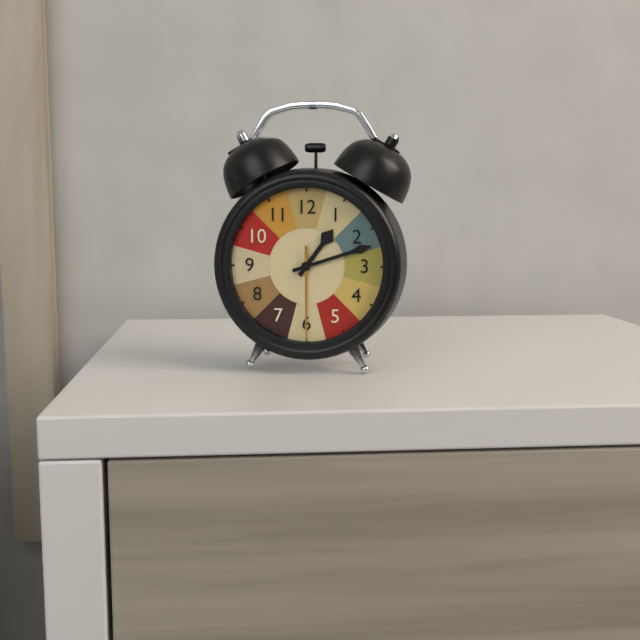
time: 1:12:30
